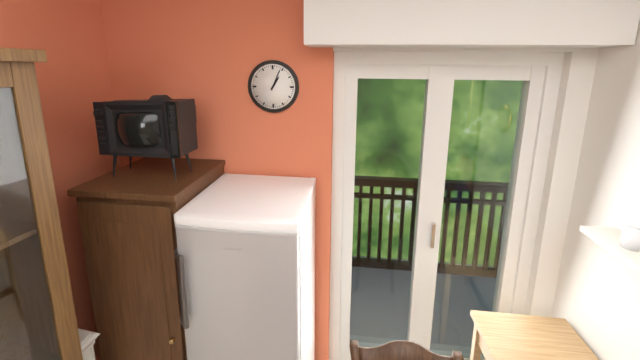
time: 1:04
